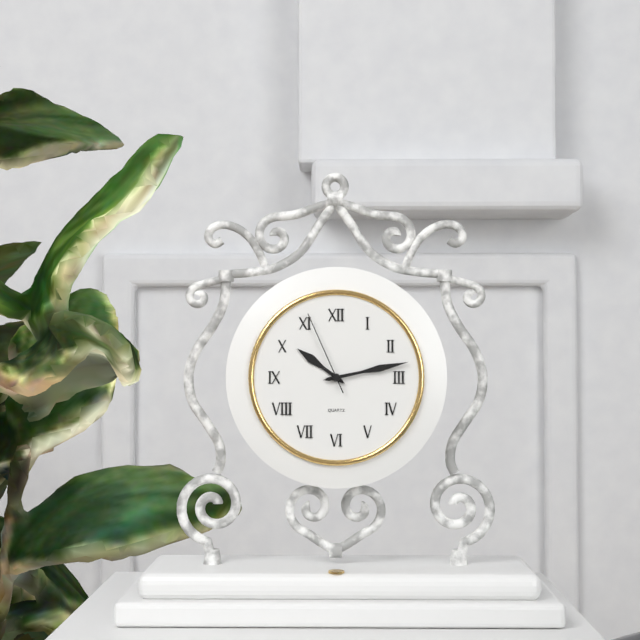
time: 10:13:56
